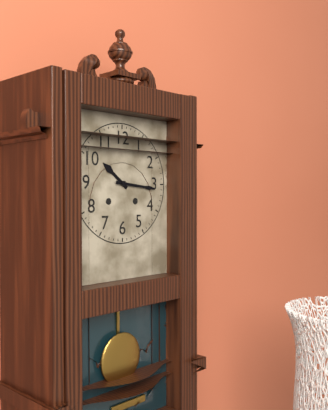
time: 10:16
